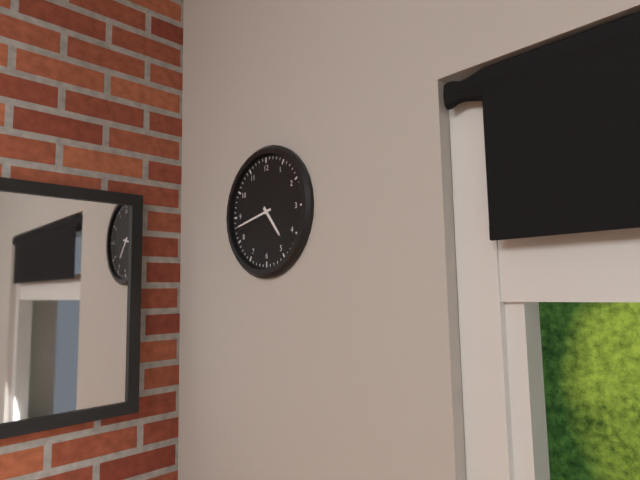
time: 4:43
